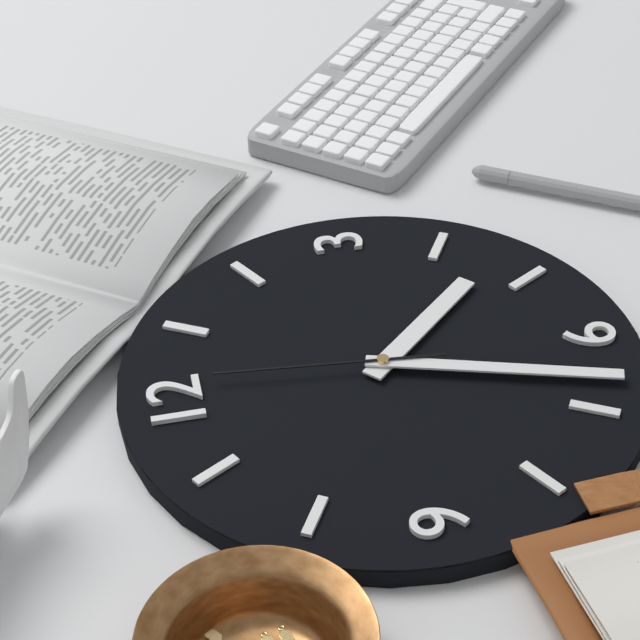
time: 4:33:01
